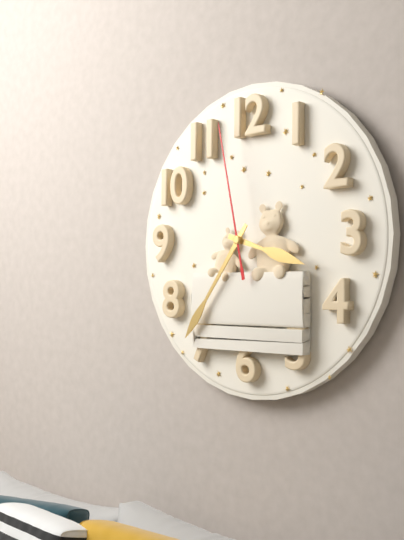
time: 3:36:58
